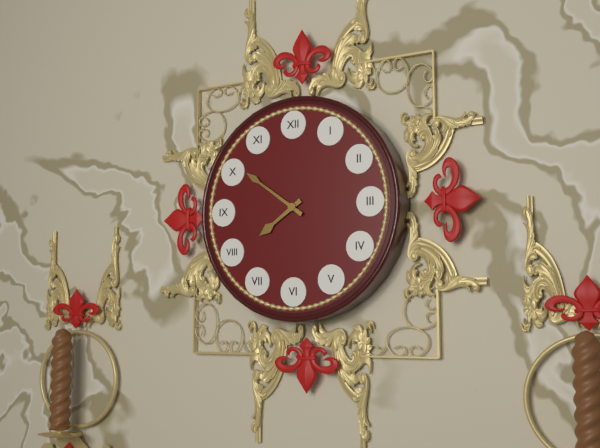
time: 7:51
